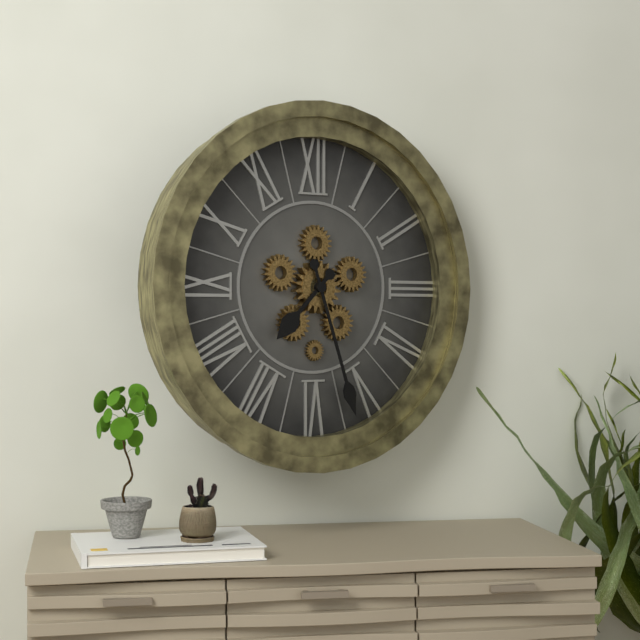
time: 7:27
